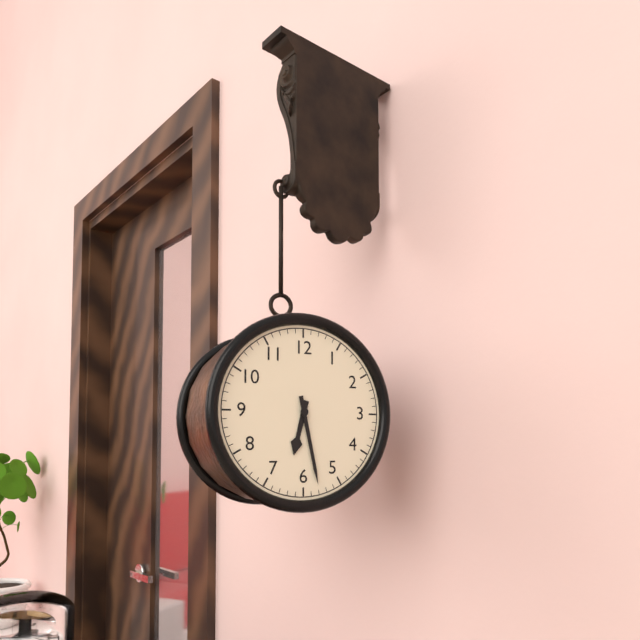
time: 6:28
